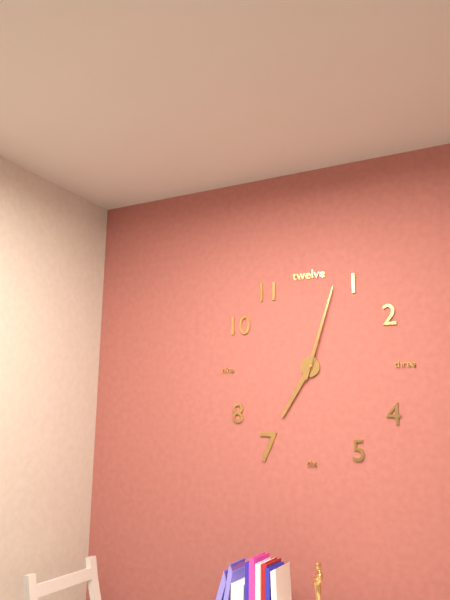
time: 7:03
